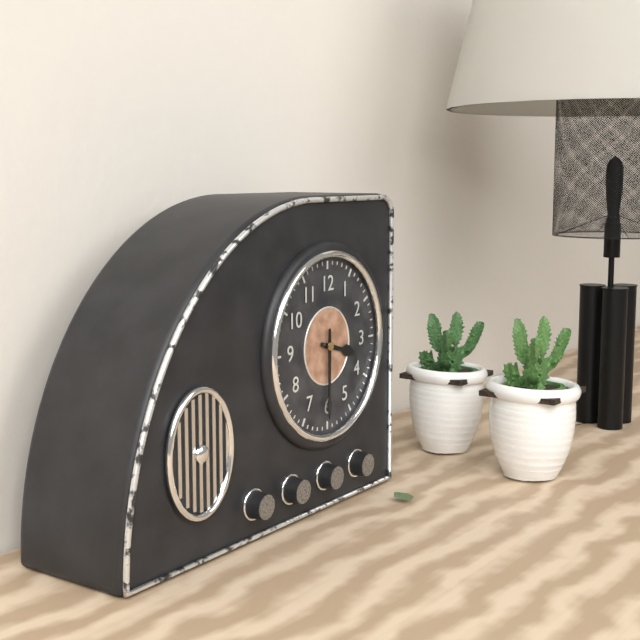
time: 3:30
